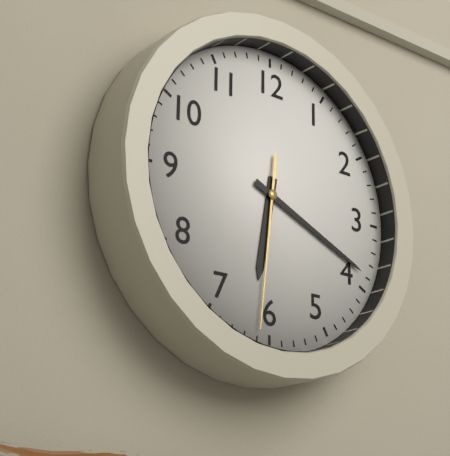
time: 6:19:31
